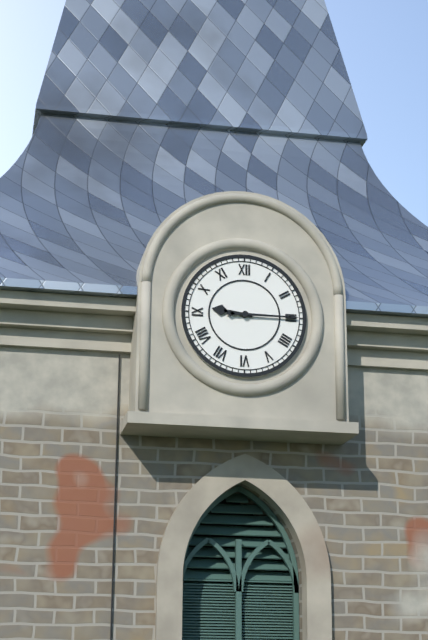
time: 9:15
